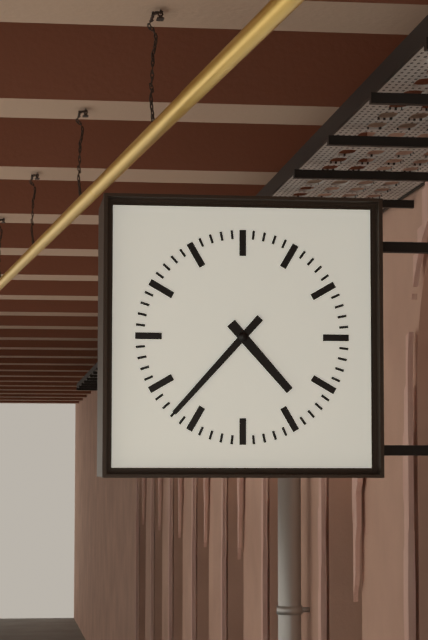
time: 4:37
